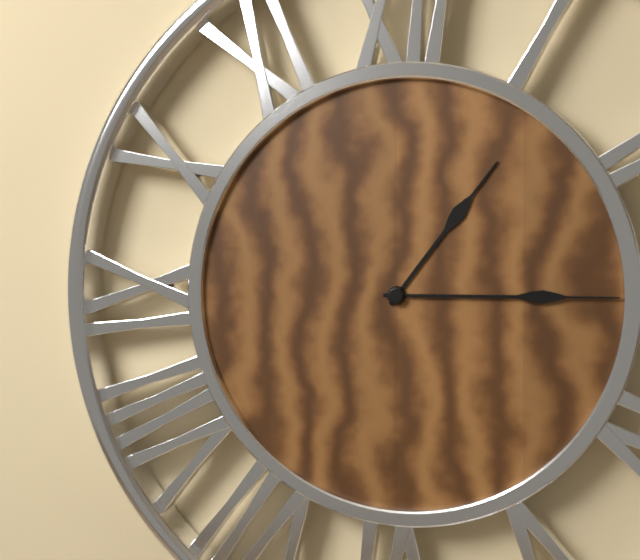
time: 1:15
